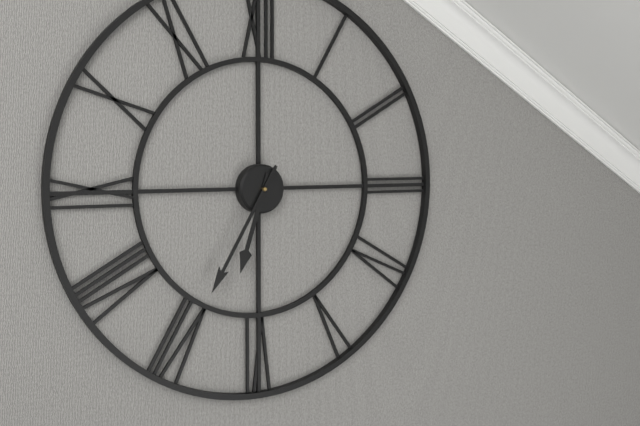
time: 6:35
